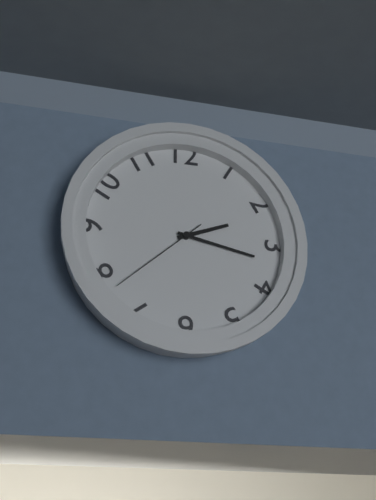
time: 2:17:38
